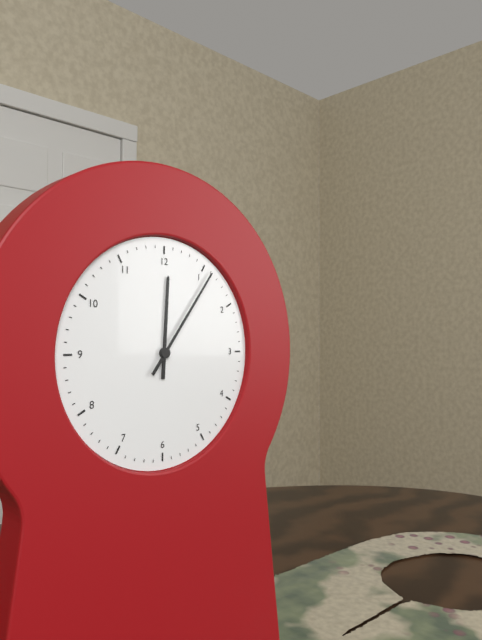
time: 12:06
